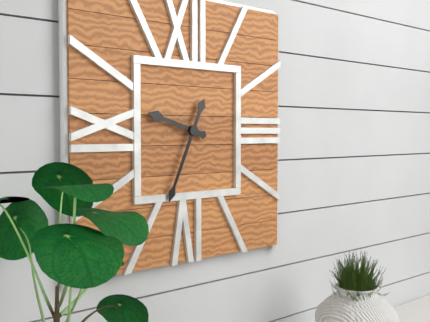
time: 9:34
